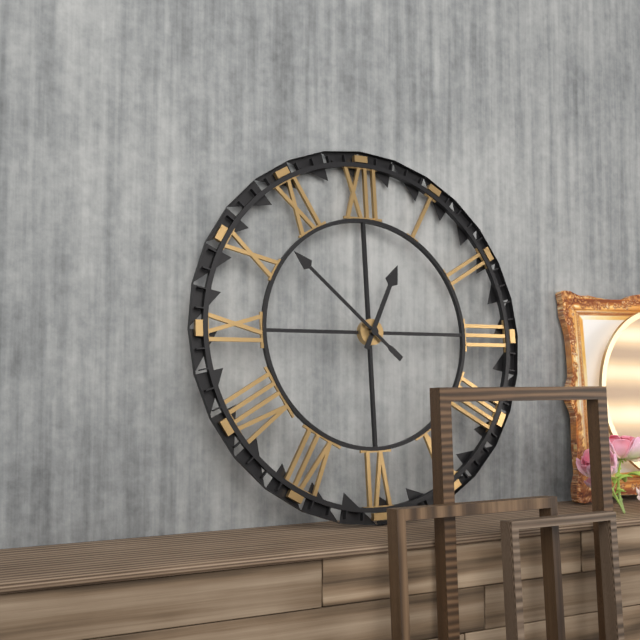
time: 12:52
